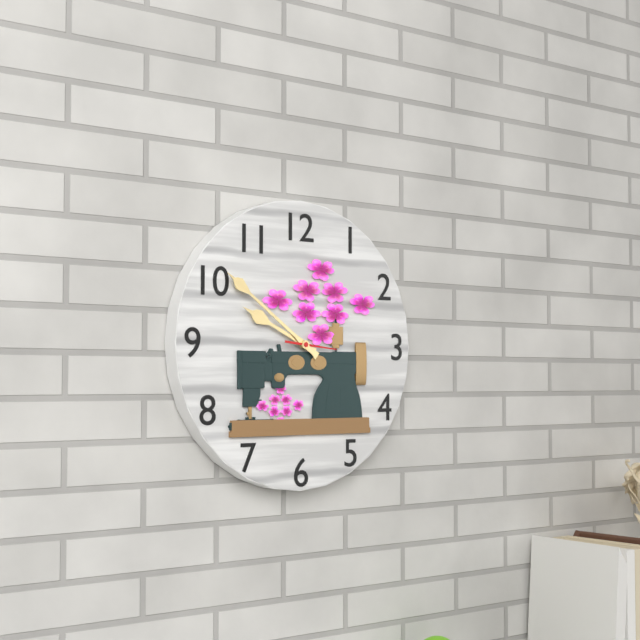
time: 9:51
